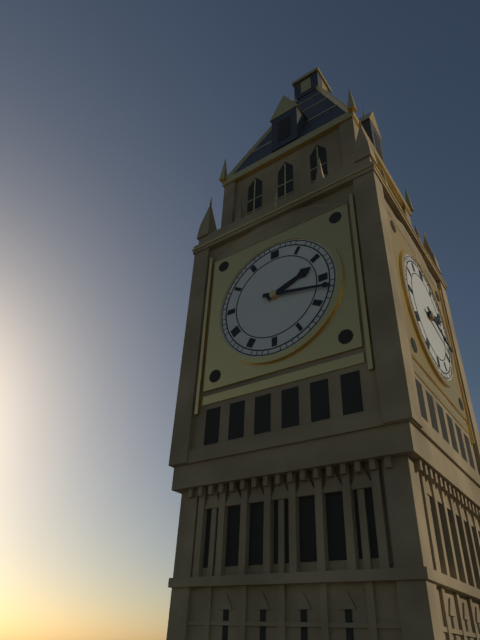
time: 2:17
